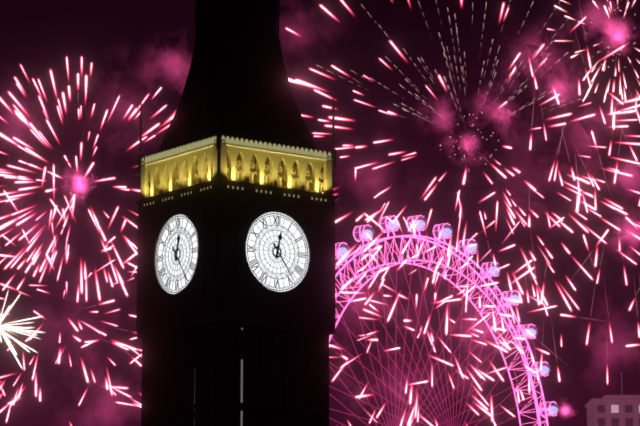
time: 12:24
